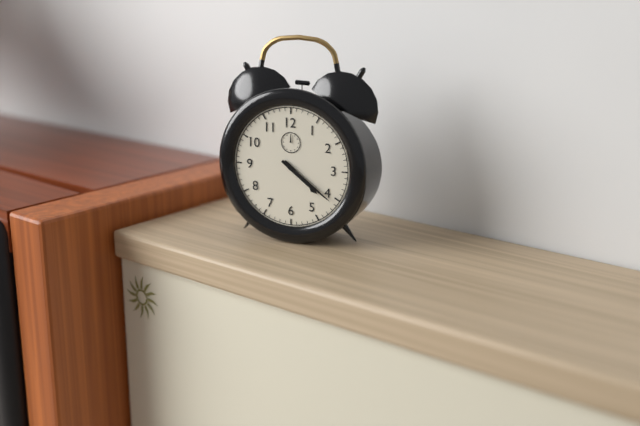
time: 4:21
